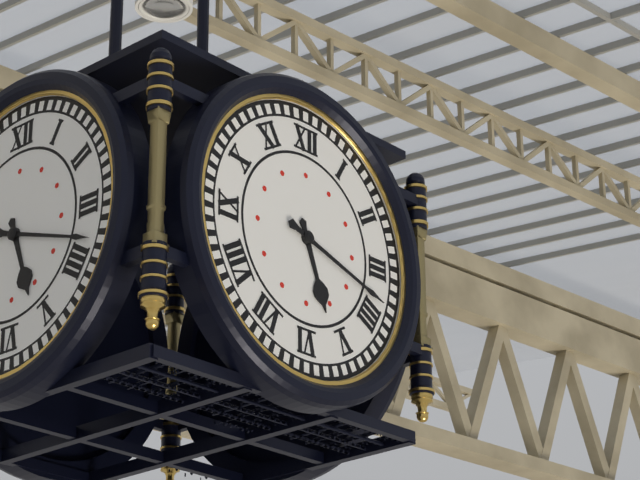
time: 5:18
